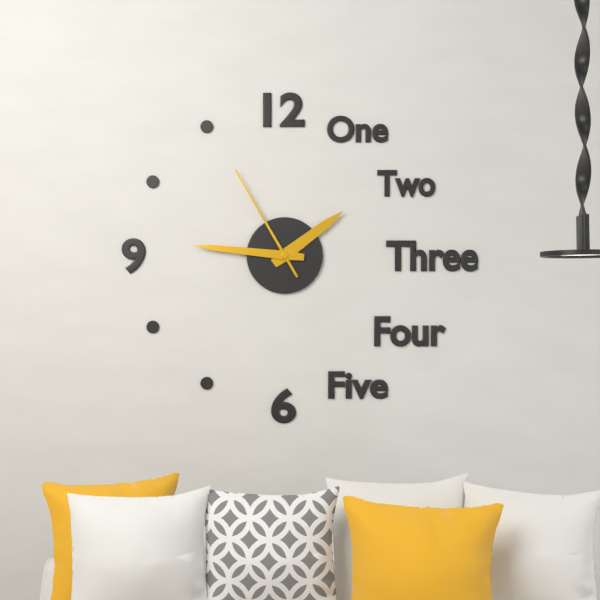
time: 1:46:55
